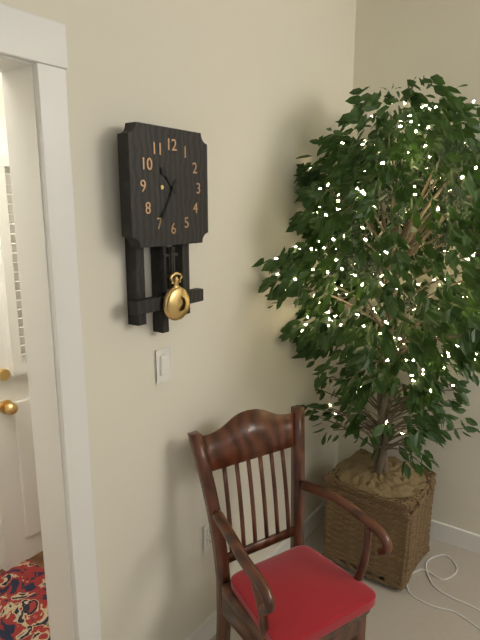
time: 10:35
